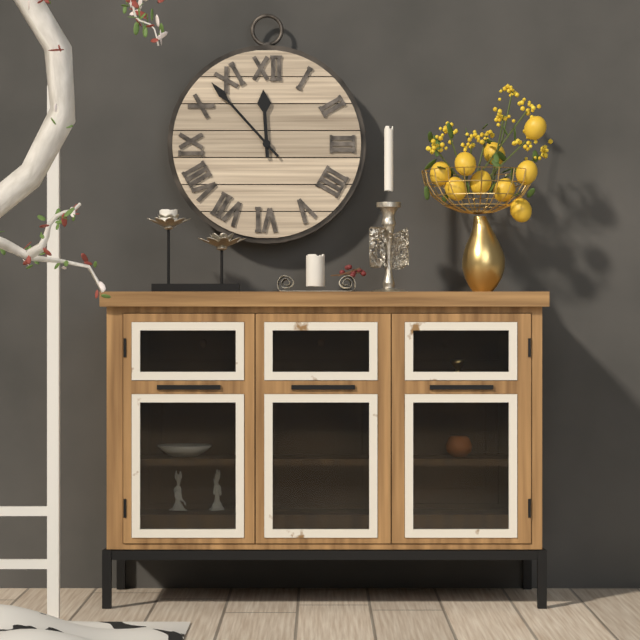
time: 11:53
